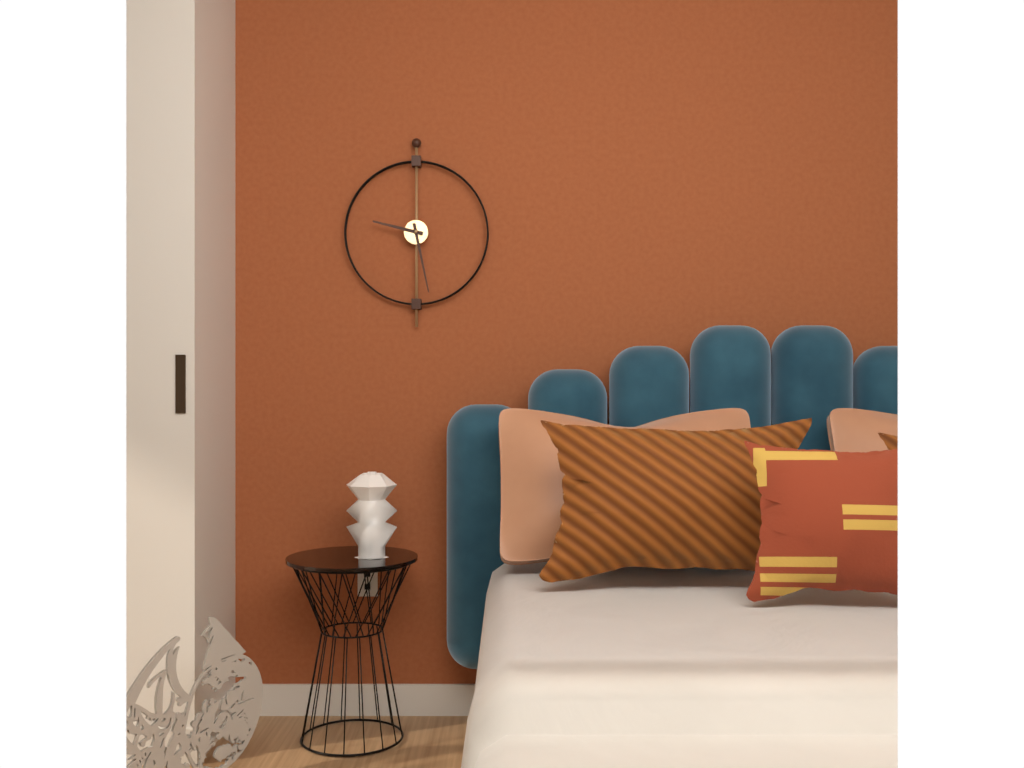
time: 9:28
